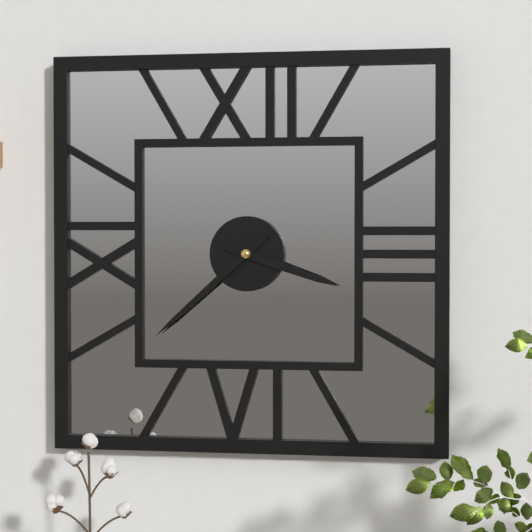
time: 3:38
